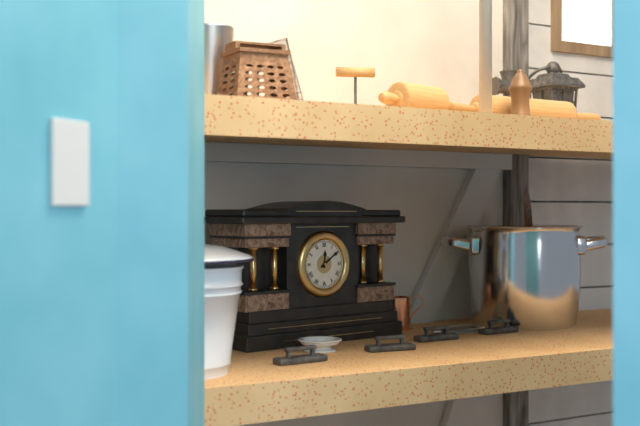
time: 12:09
